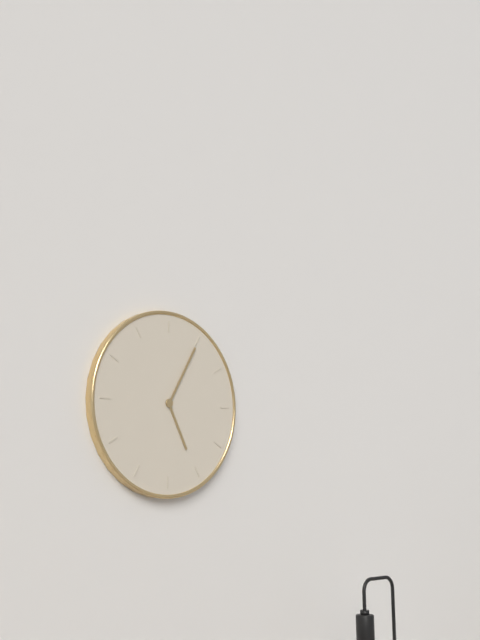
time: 5:05
